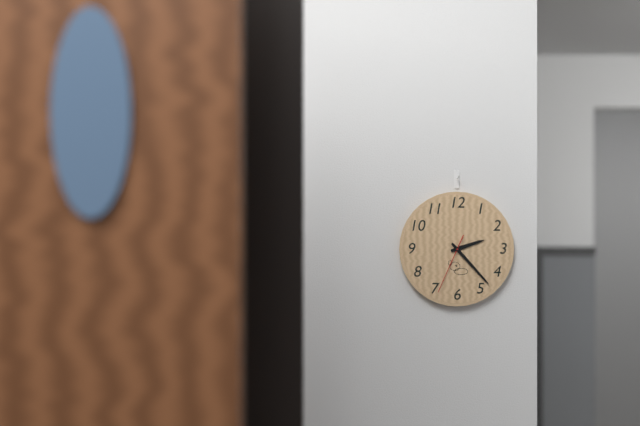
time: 2:23:34
